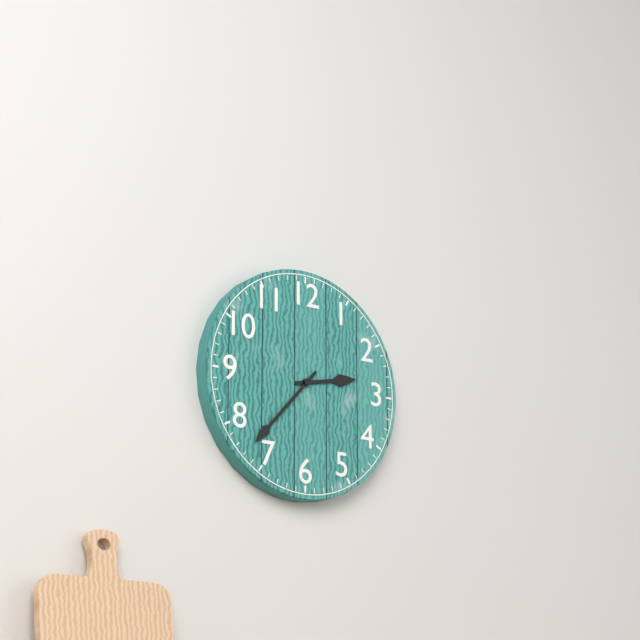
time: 2:37
